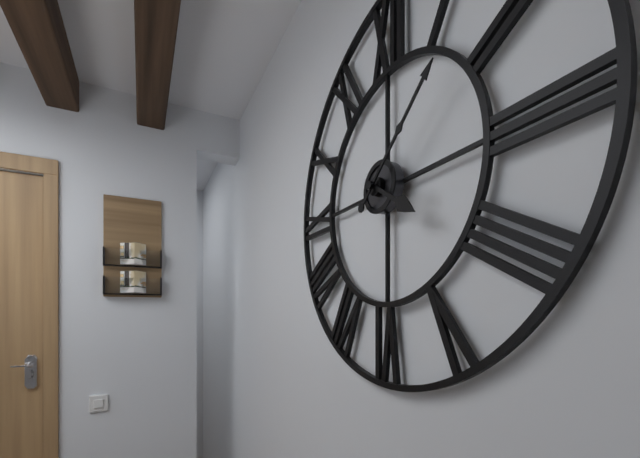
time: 4:08
